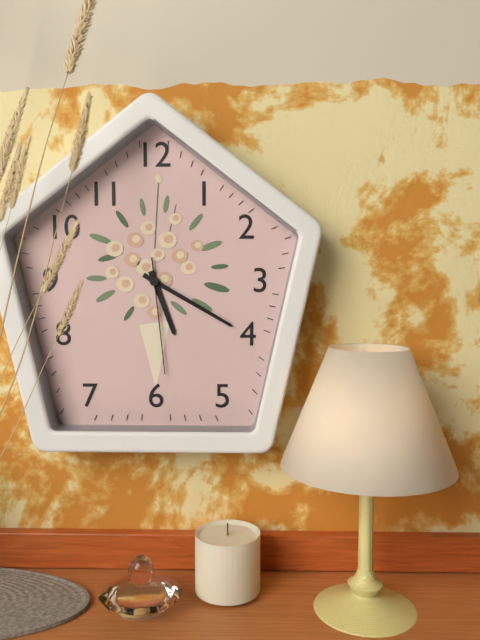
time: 5:20:29
